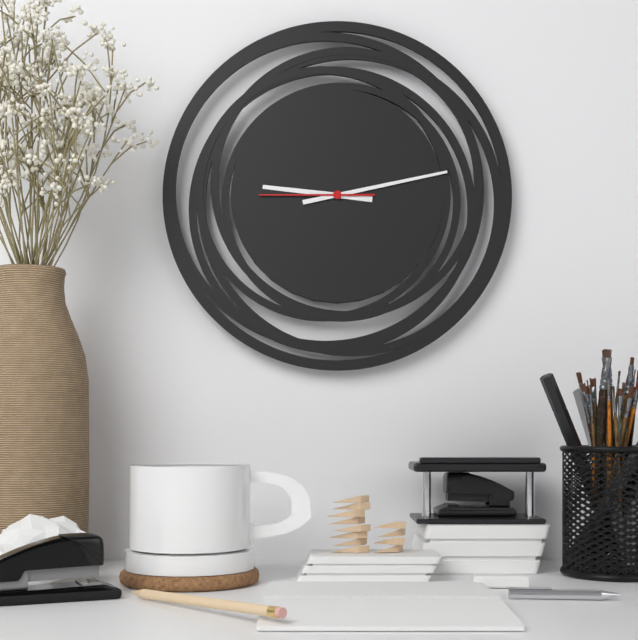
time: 9:13:45
